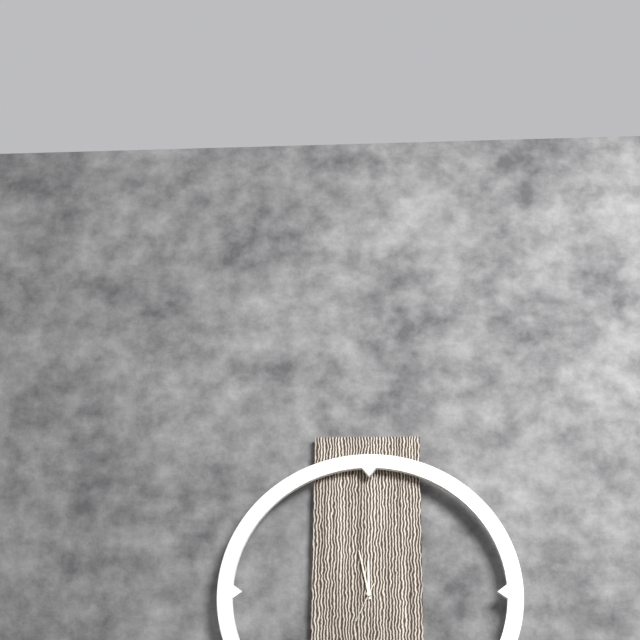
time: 11:58
